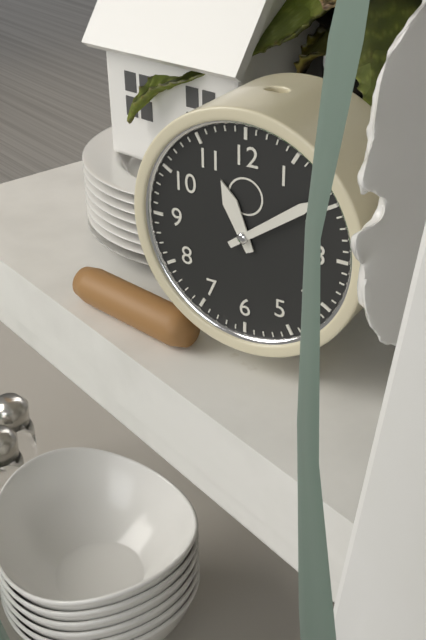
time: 11:09
